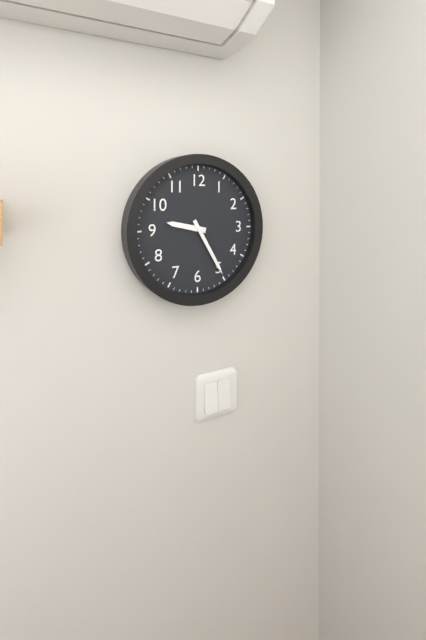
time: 9:25
